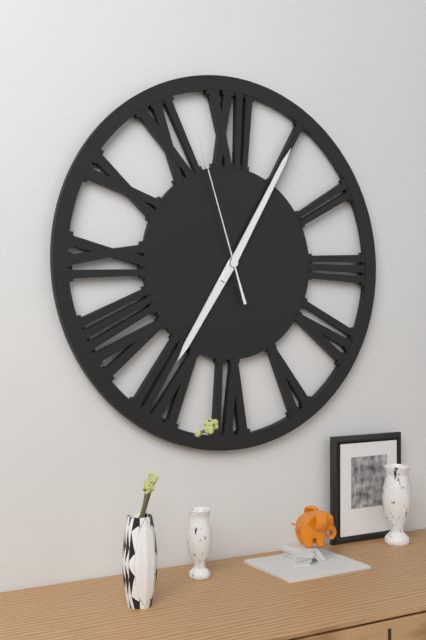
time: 7:05:57
